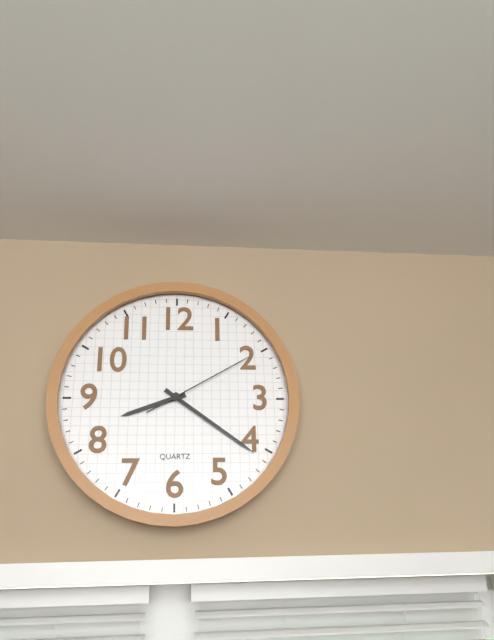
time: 8:21:10
